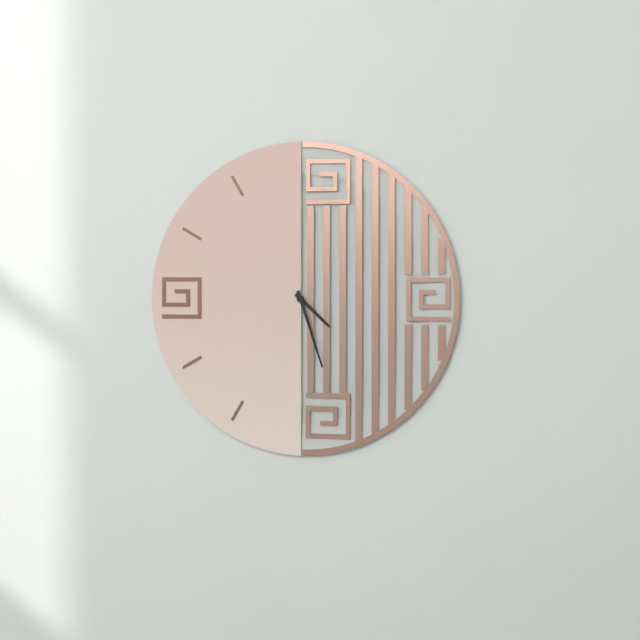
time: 4:27
